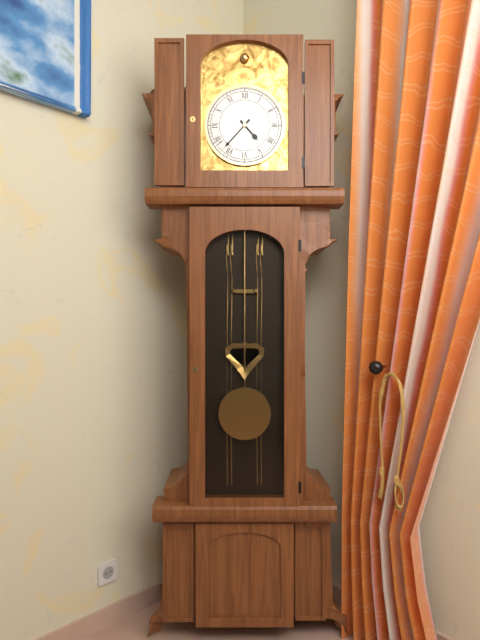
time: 4:37
